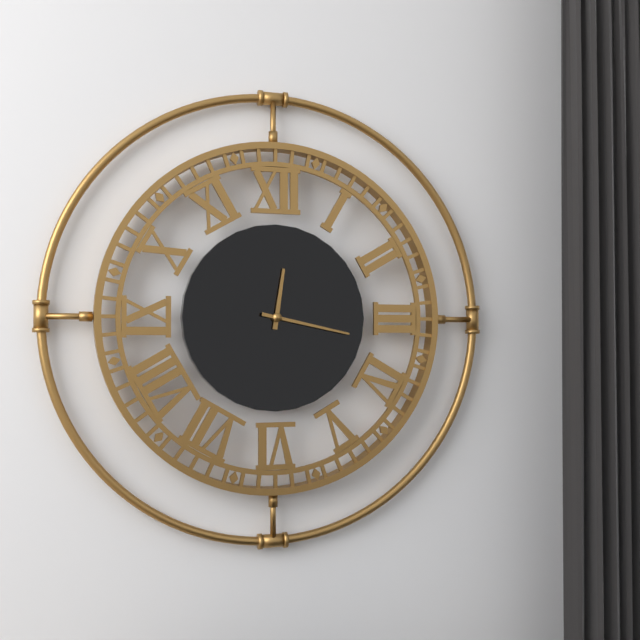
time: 12:17
